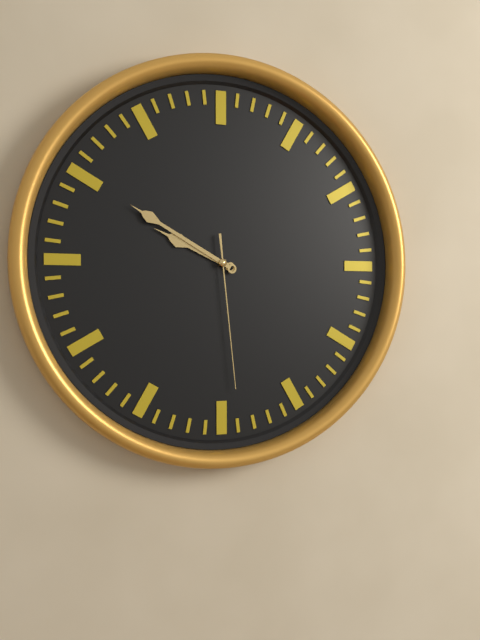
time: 9:50:29
